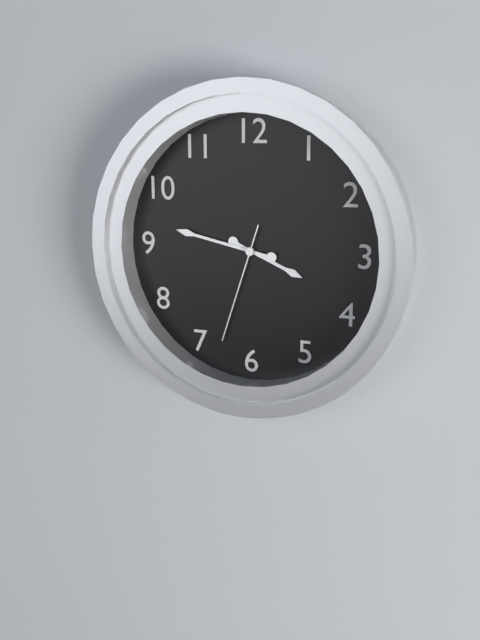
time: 3:47:33
